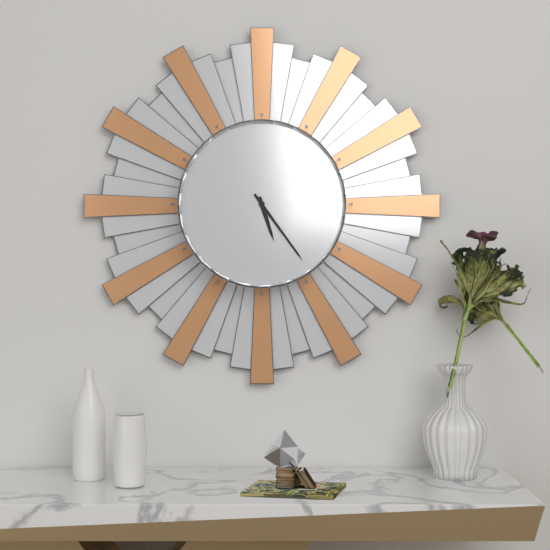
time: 5:24
